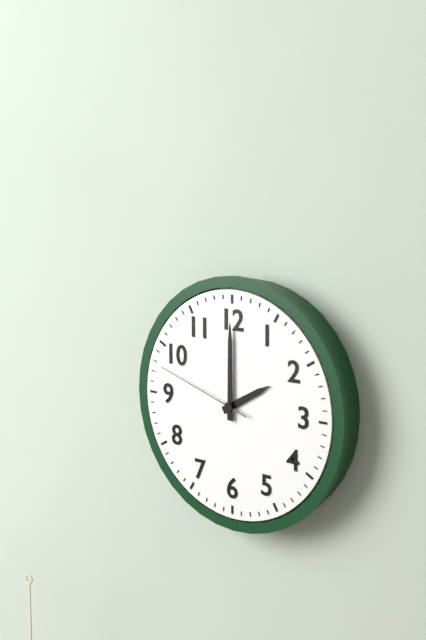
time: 2:00:48
